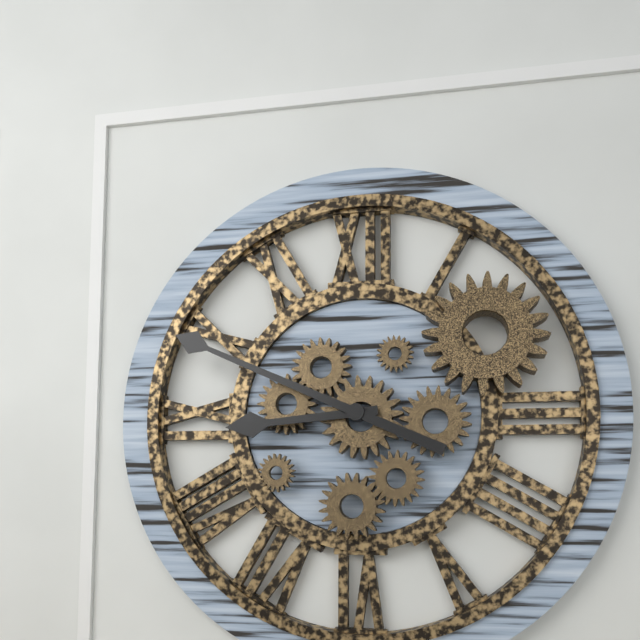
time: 8:49
